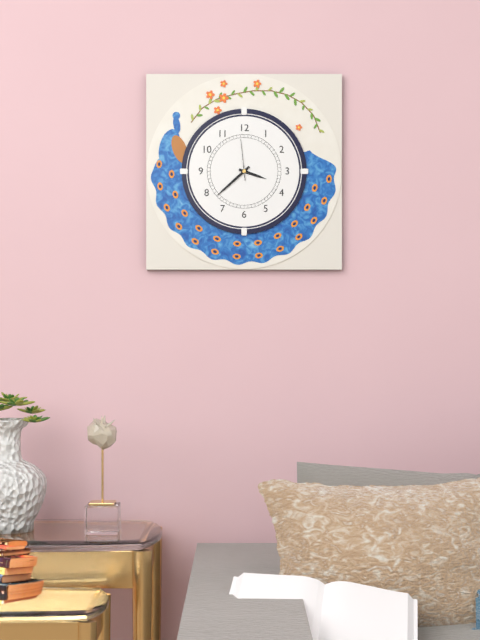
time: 3:38
